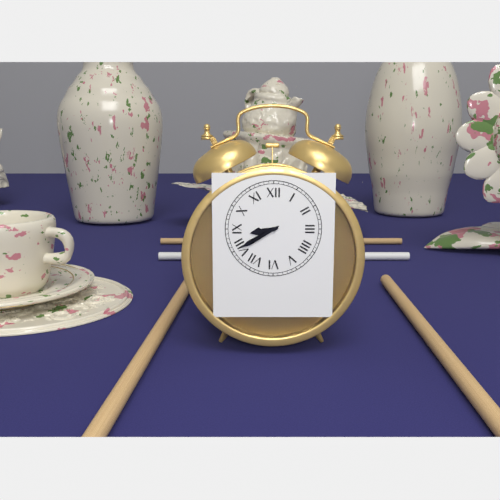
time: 8:40
